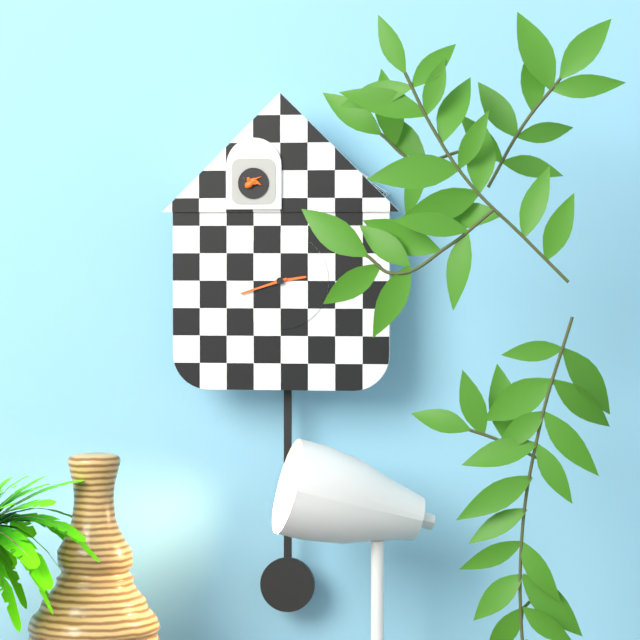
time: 2:42
